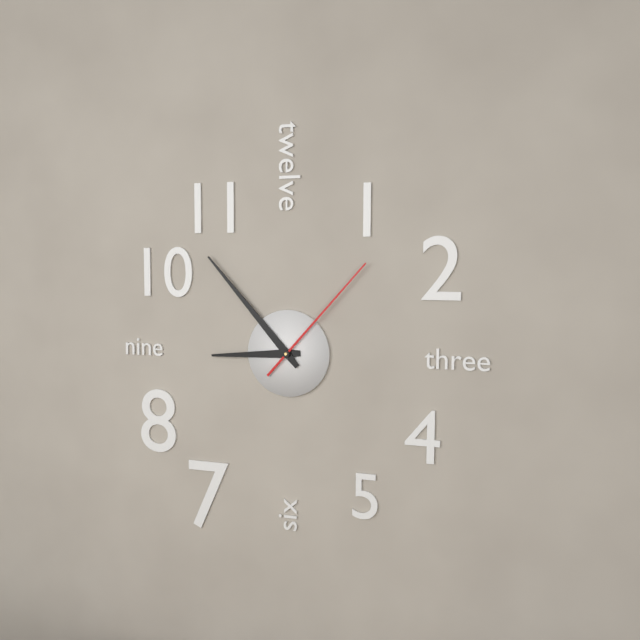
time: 8:53:07
